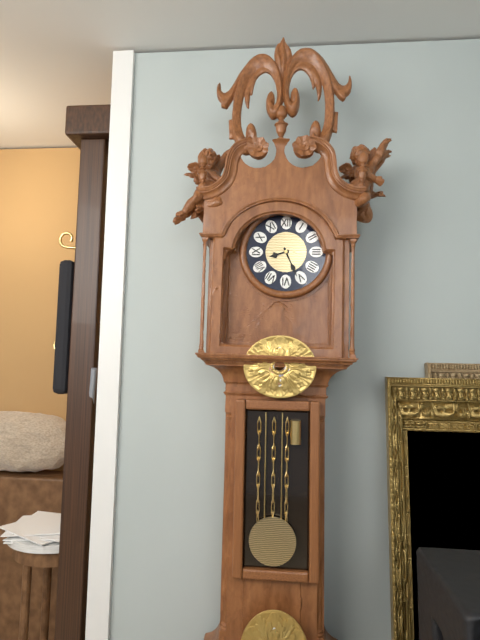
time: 8:26
